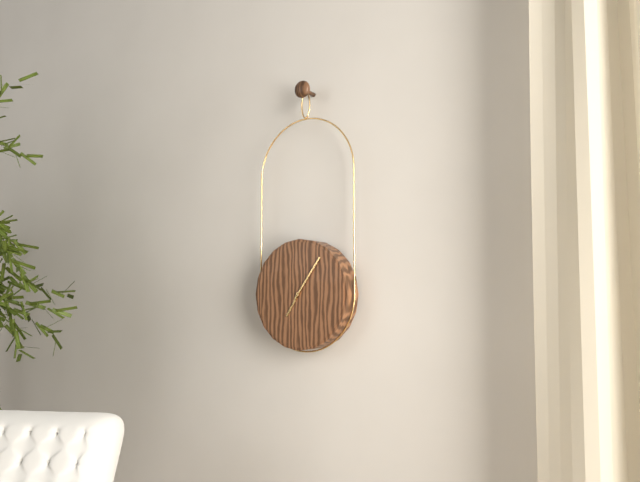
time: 7:06
